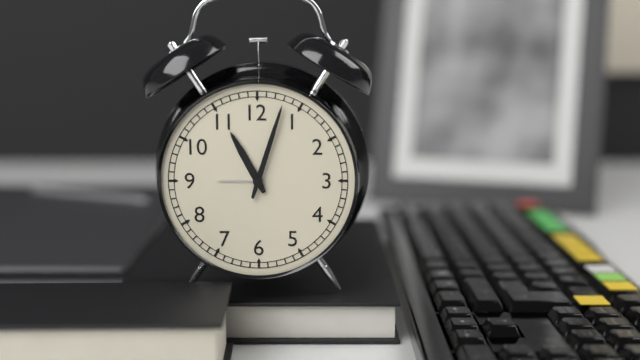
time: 11:03
